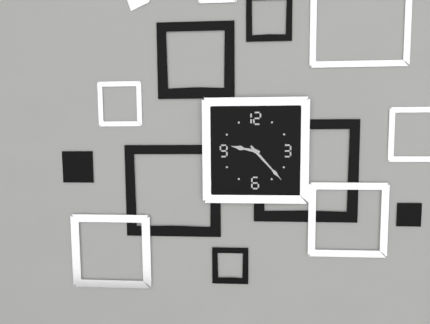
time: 9:23
